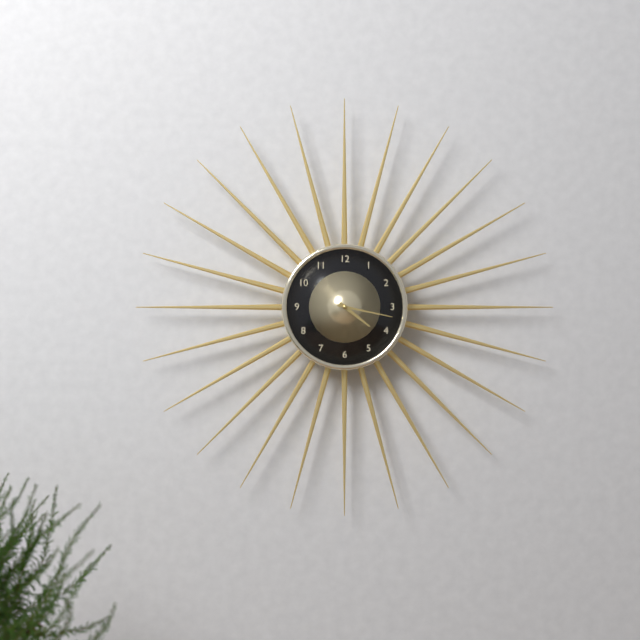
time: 4:17
